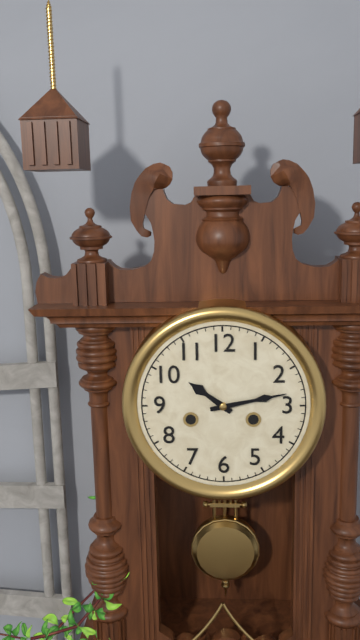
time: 10:13
